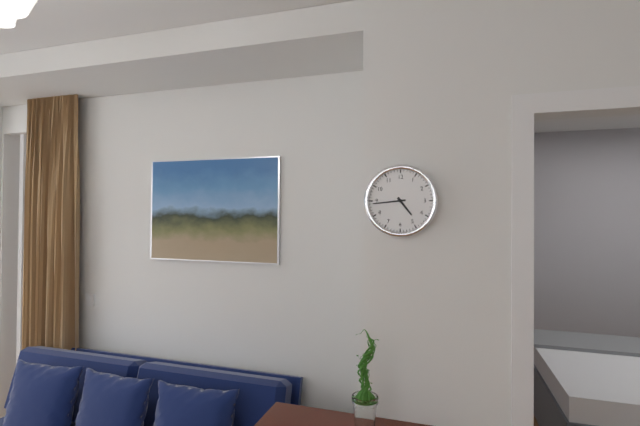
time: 4:44
